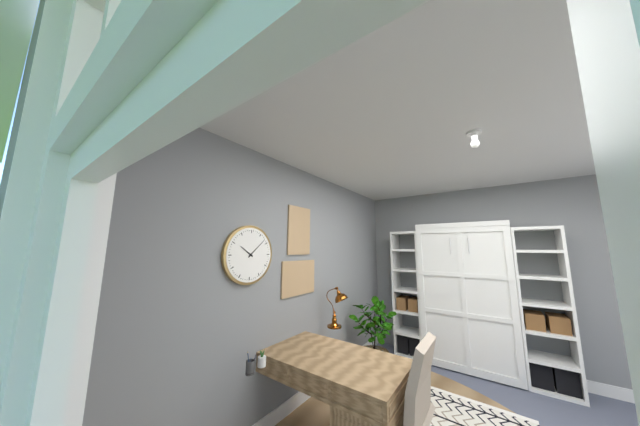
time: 10:08
